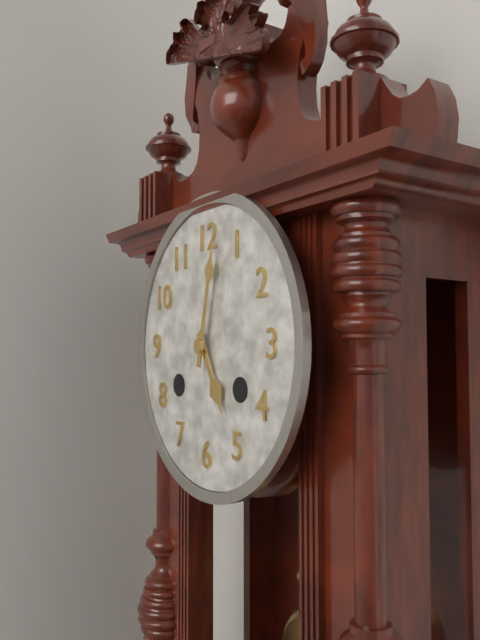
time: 5:02
